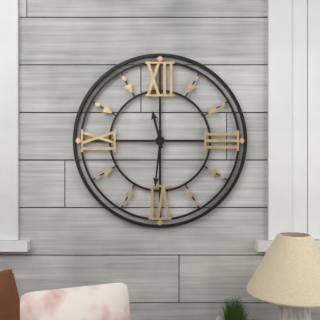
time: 11:31
